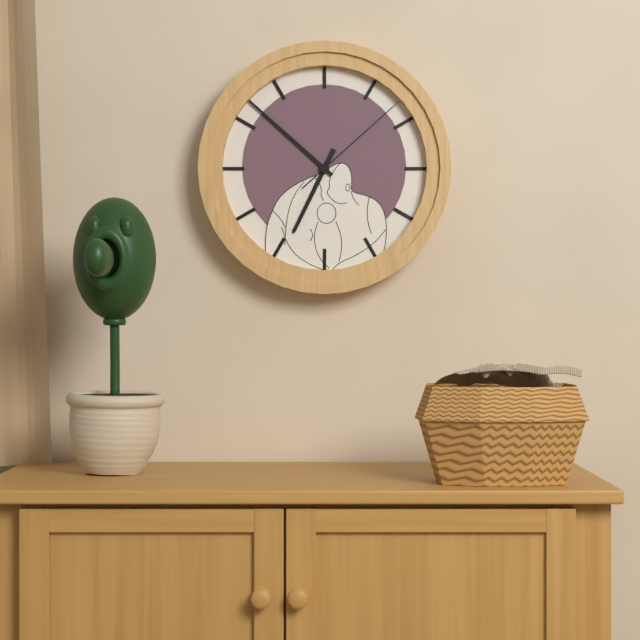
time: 6:52:08
